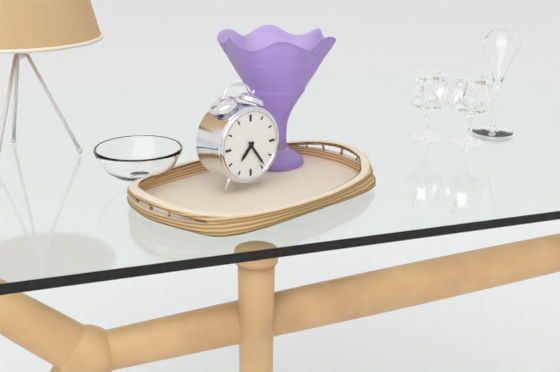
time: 7:24
